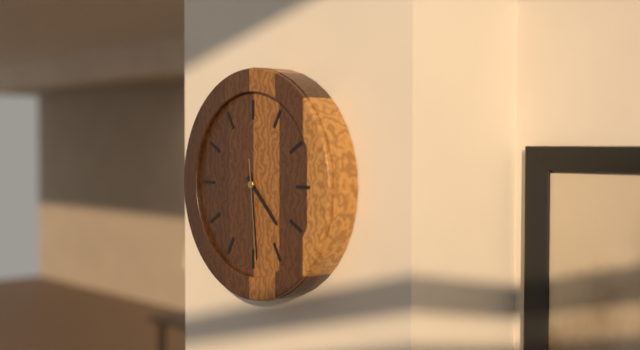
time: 4:29:29
